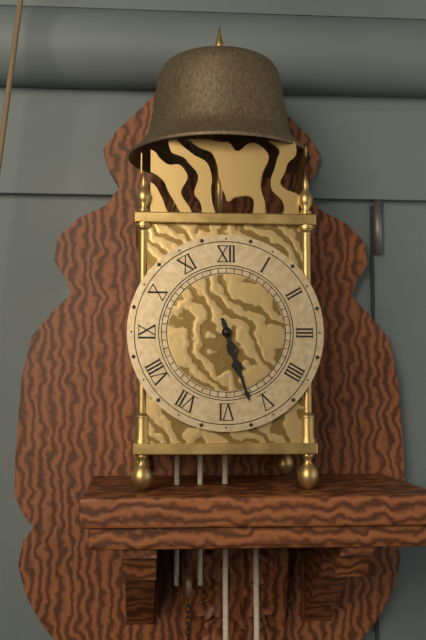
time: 5:27
